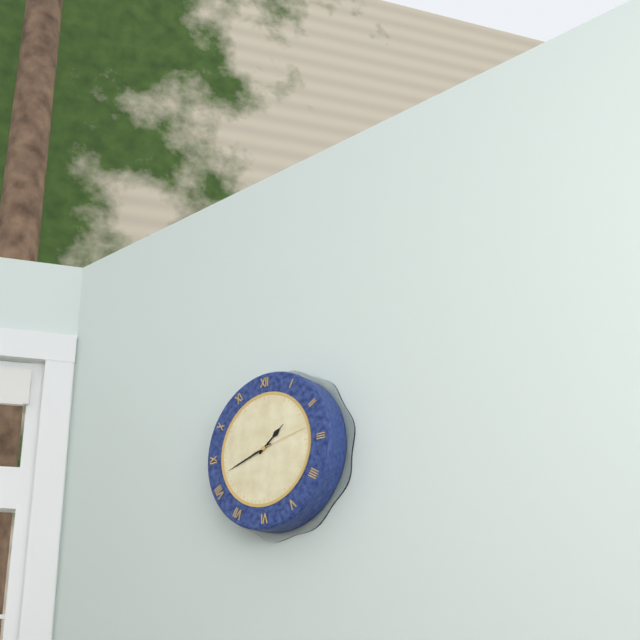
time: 1:42:13
